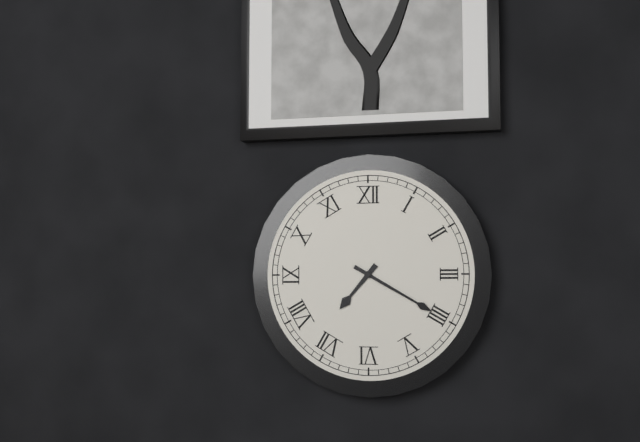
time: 7:20
